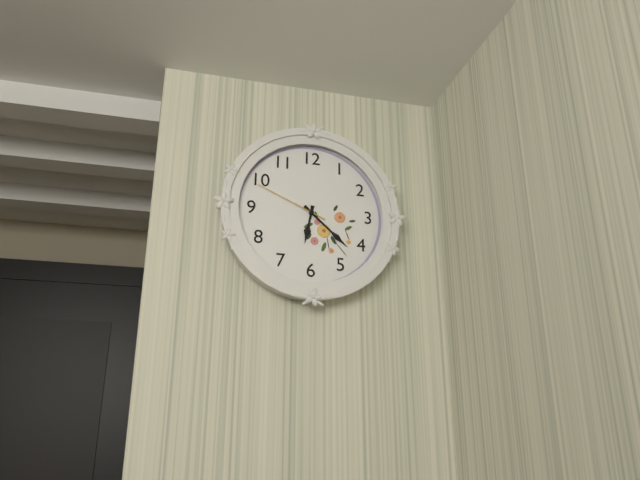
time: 6:22:49
